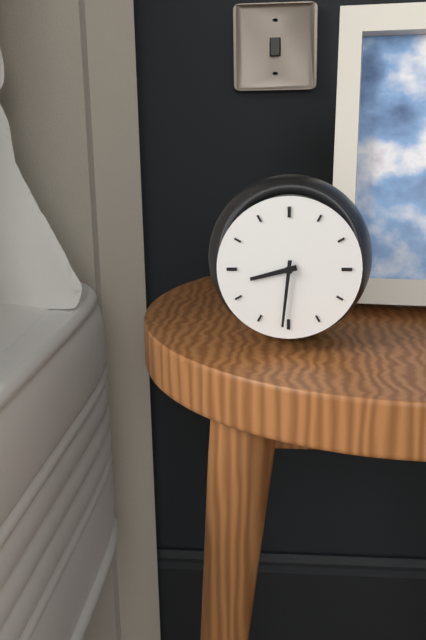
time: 8:31
